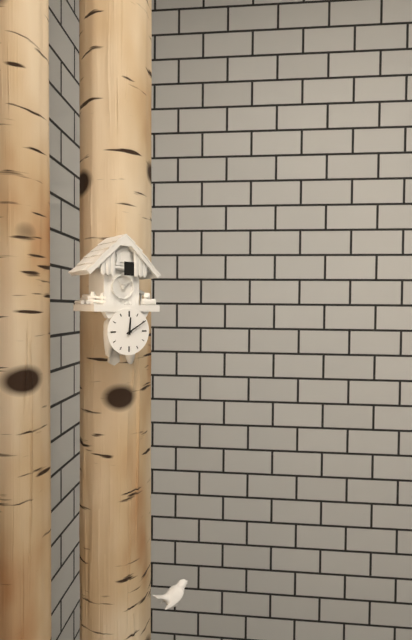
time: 12:10
